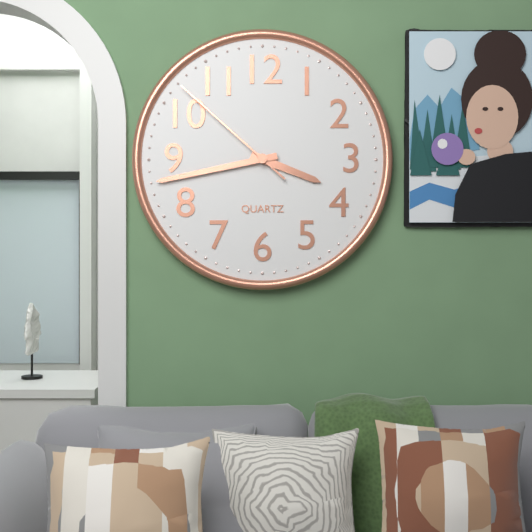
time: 3:43:52
